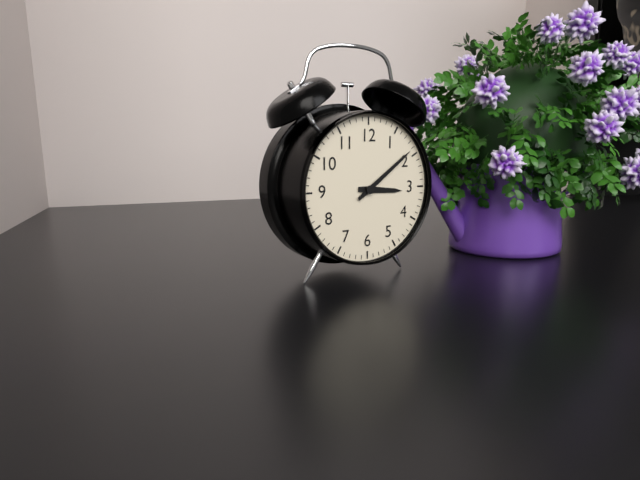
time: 3:09
